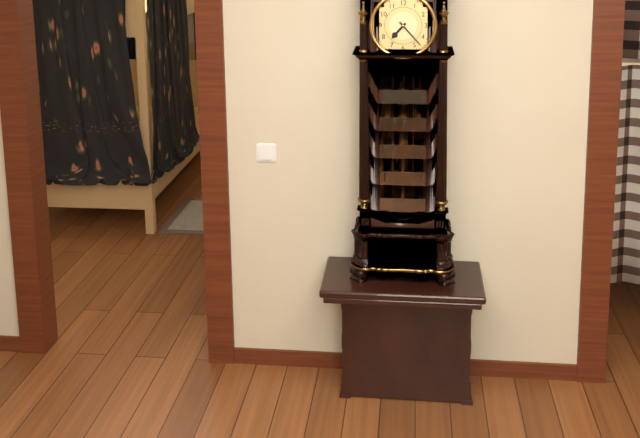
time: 7:23
